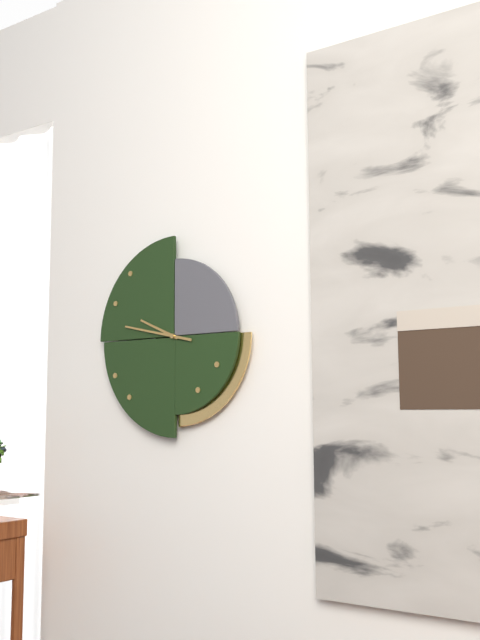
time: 9:47
